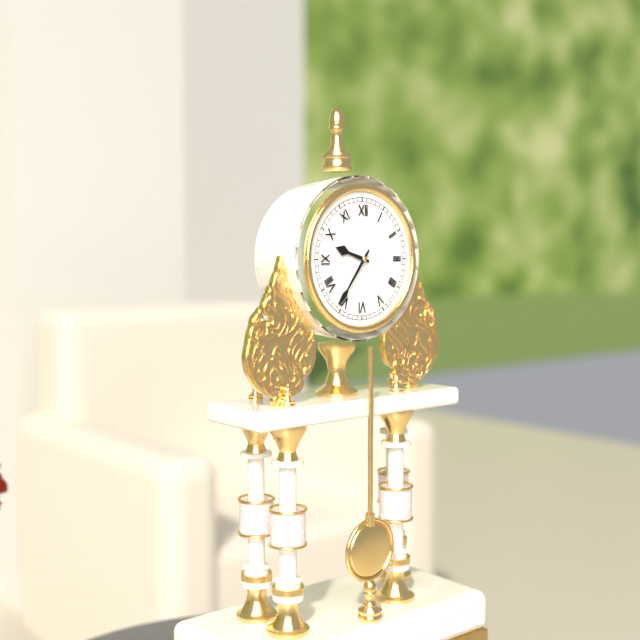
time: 9:36
